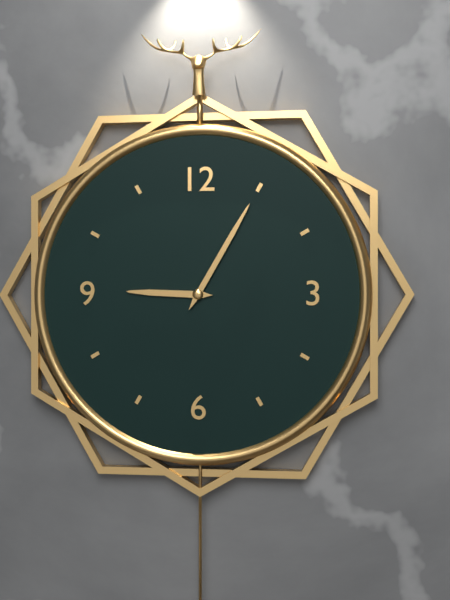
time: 9:05
